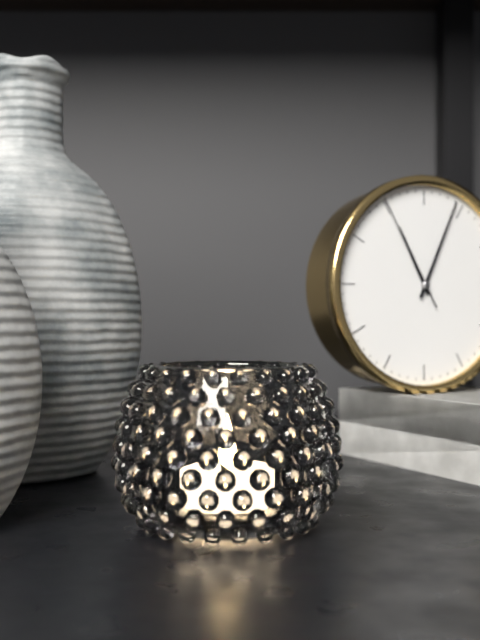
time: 11:04:55
